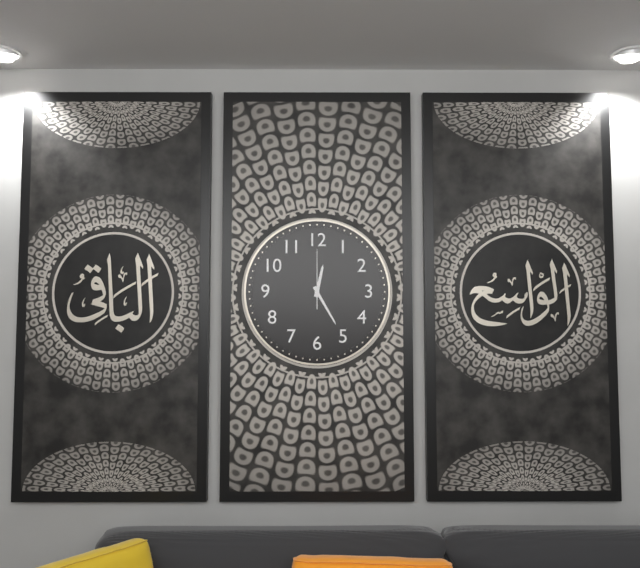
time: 12:25:00
